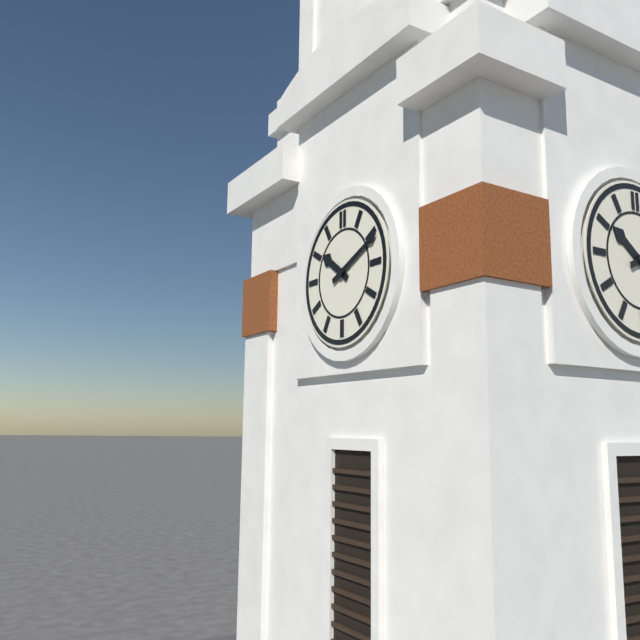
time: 10:11
